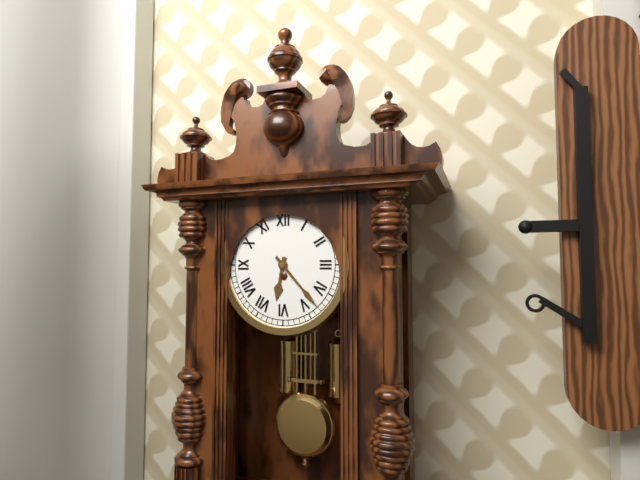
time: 6:23
